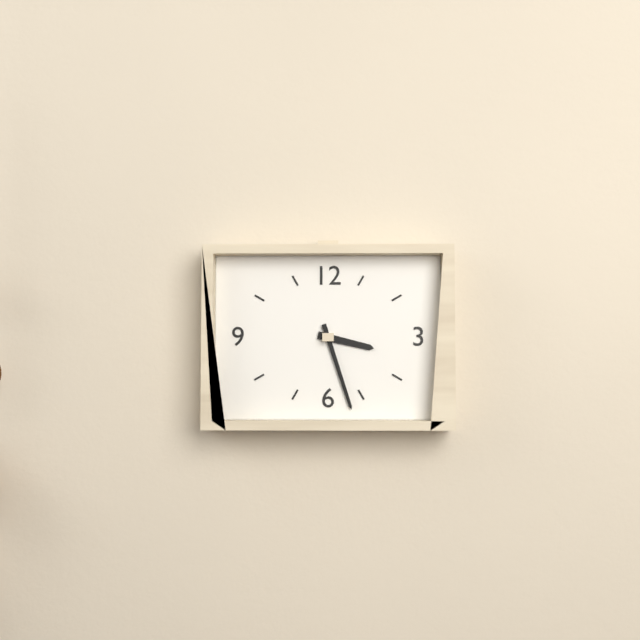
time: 3:27
